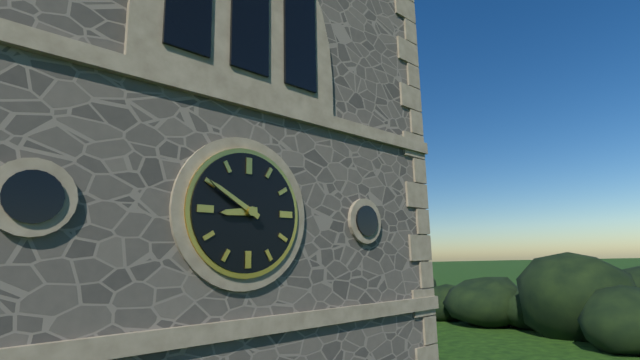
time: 8:50
